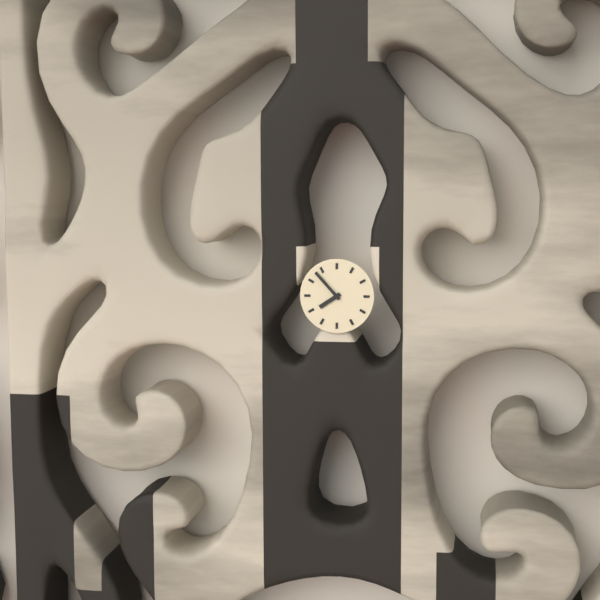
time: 7:53
